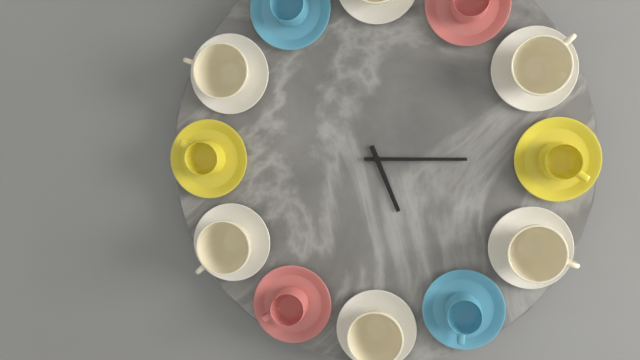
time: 5:15
